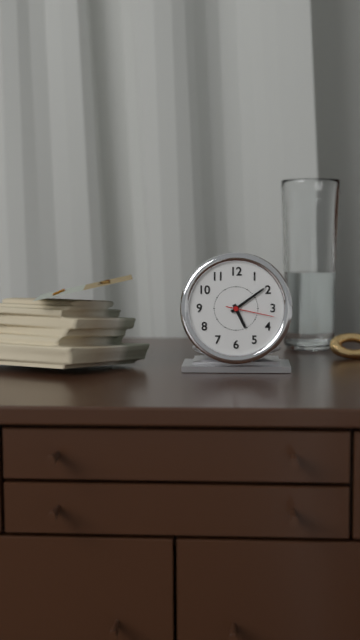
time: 5:09:17
